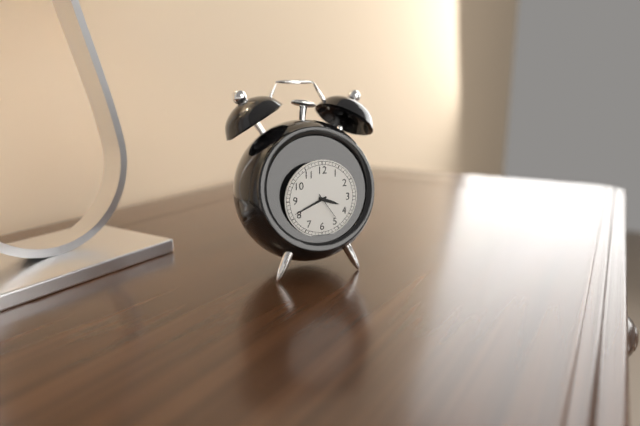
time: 3:41
